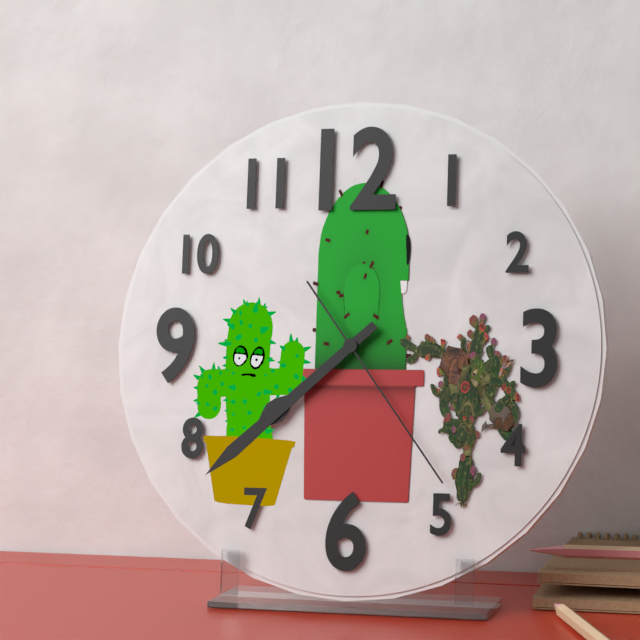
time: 7:38:24
